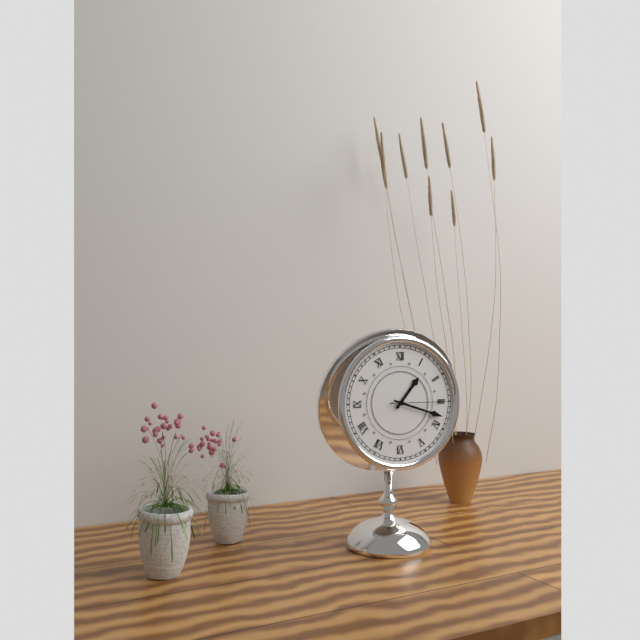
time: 1:18:15
